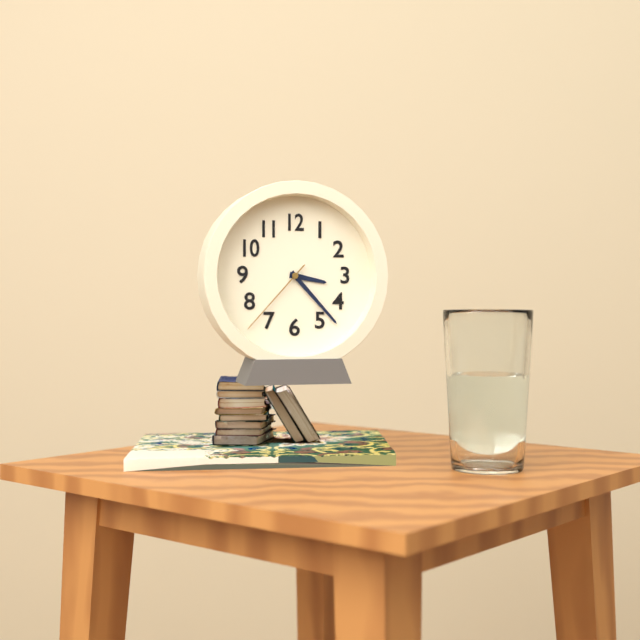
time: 3:23:37
